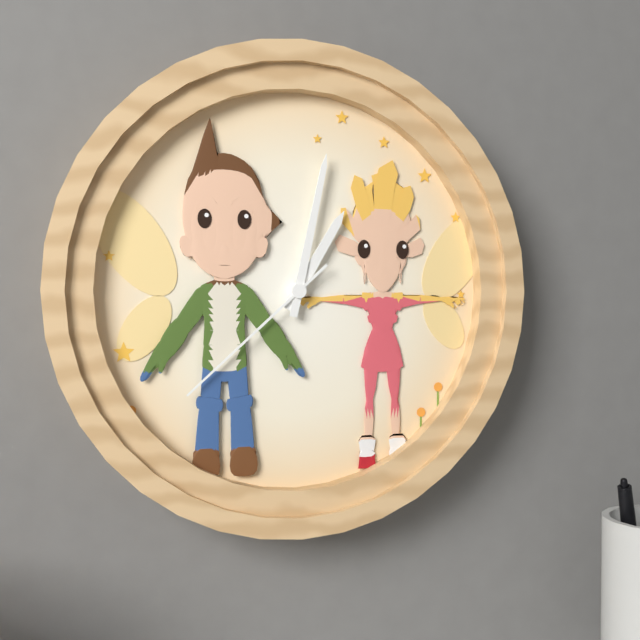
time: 1:02:38
